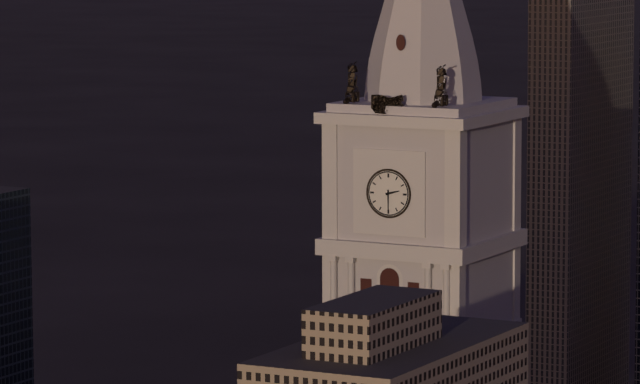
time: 2:30
